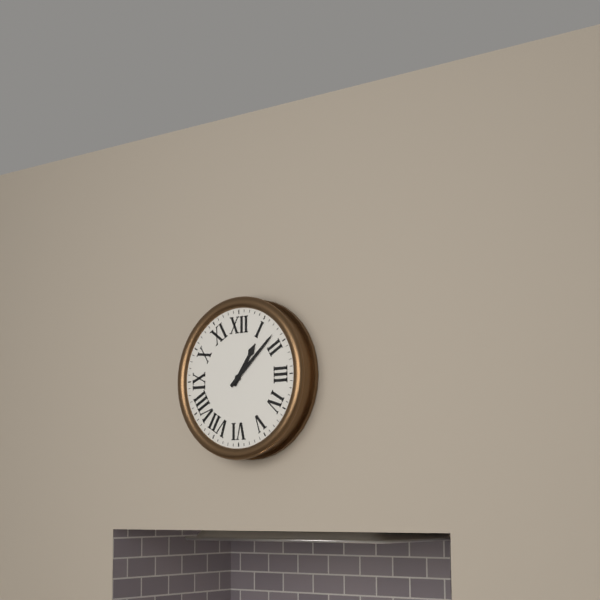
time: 1:08
